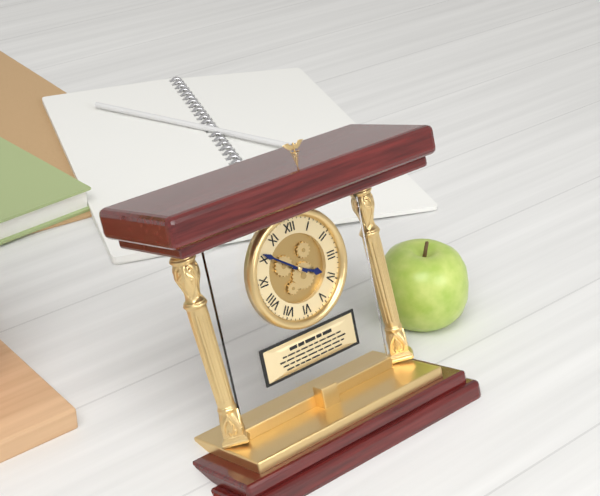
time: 3:51
